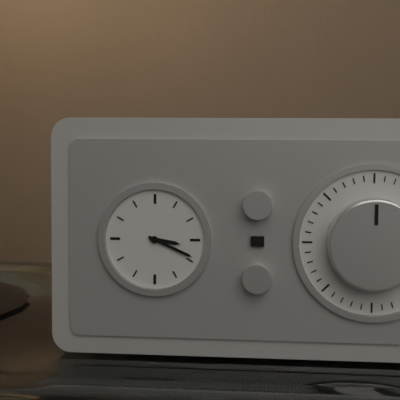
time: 3:19
